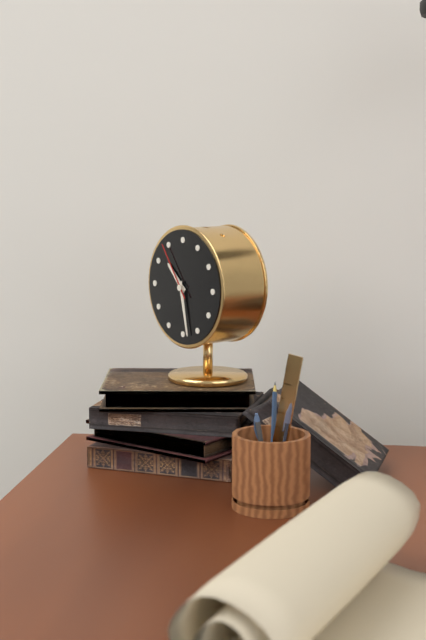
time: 10:28:54
